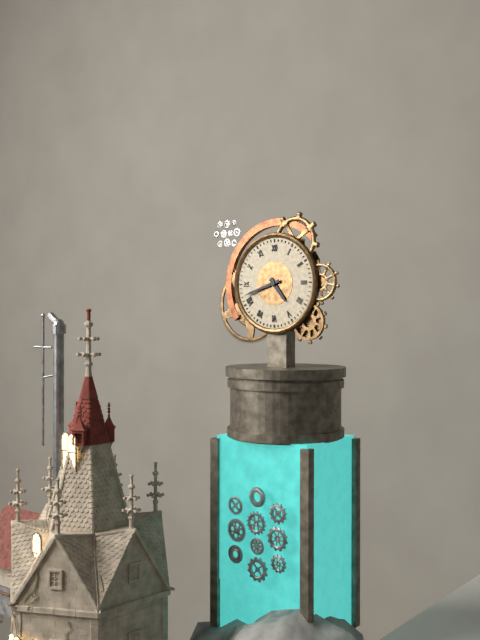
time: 4:42
